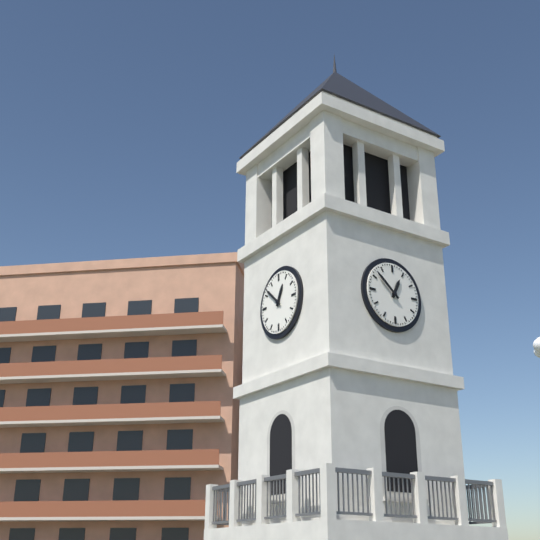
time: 12:52
